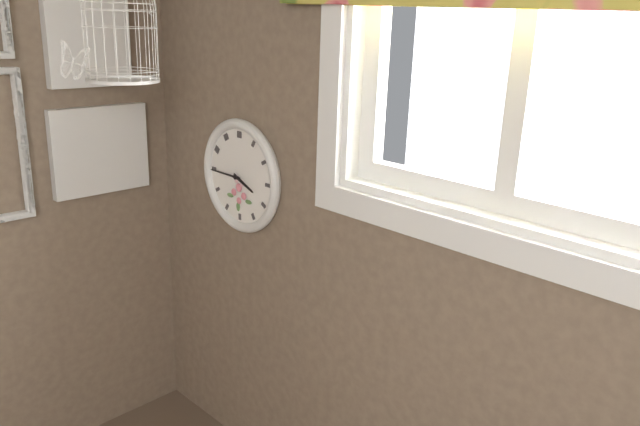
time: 3:45
